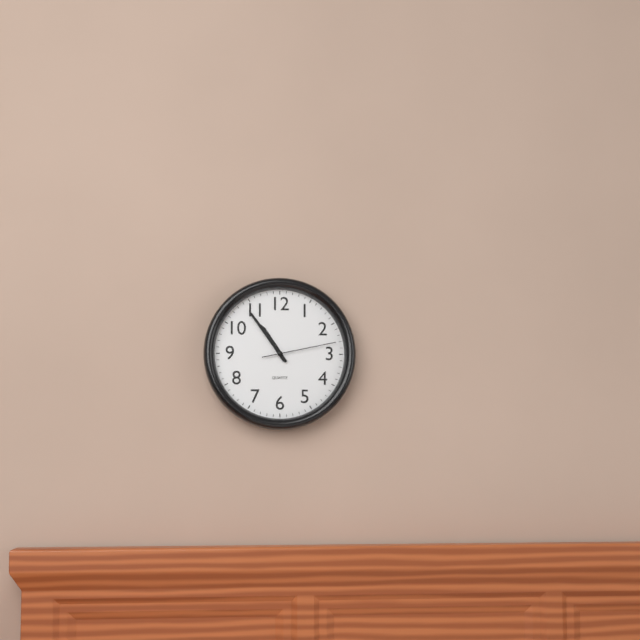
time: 10:54:13
